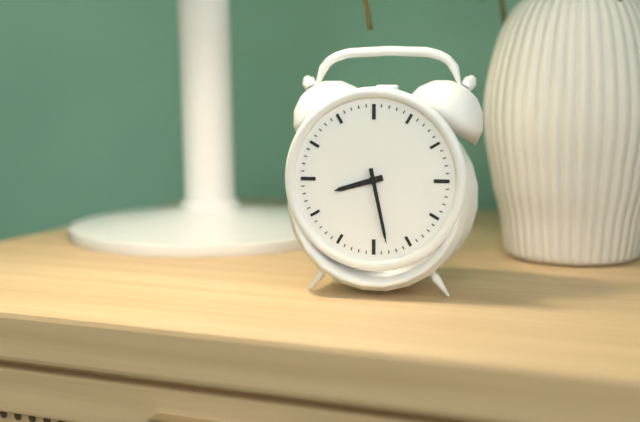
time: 8:28
